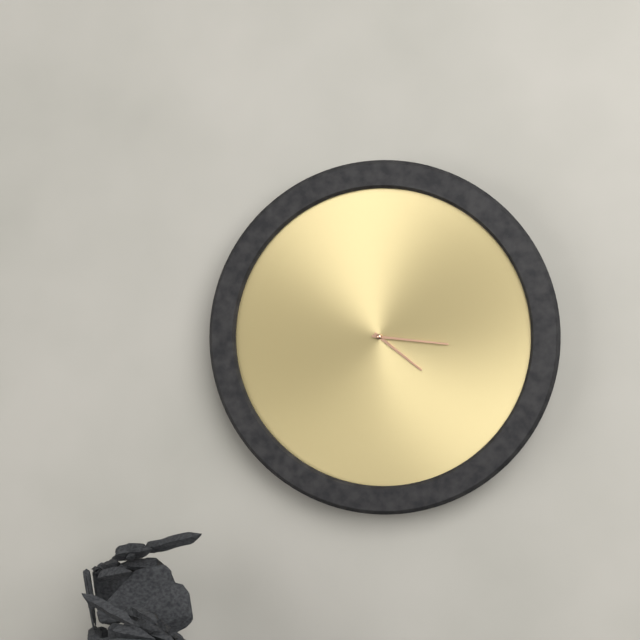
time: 4:16
